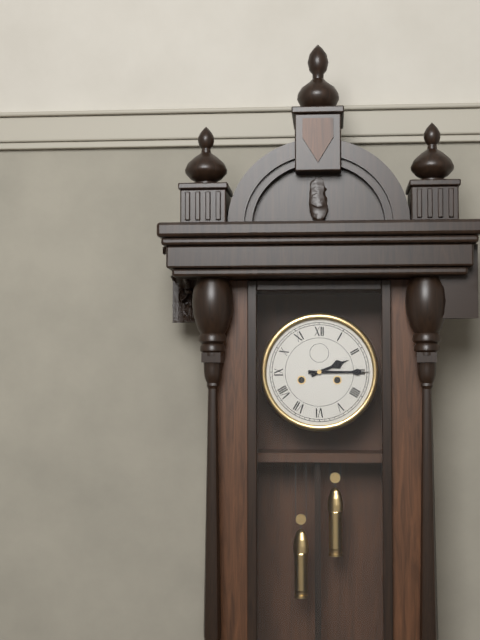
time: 2:15
